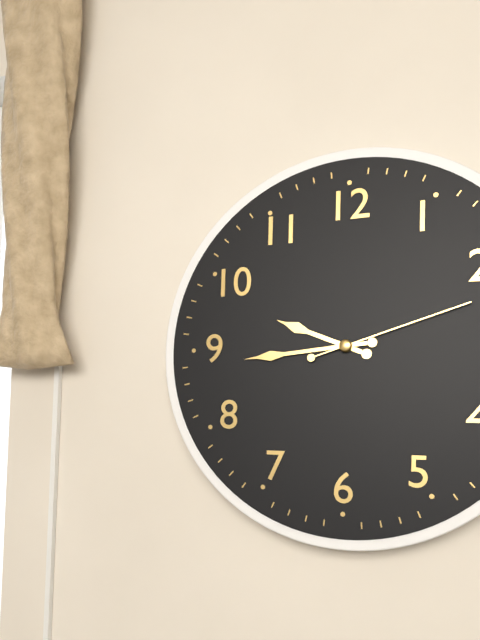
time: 9:44:12
